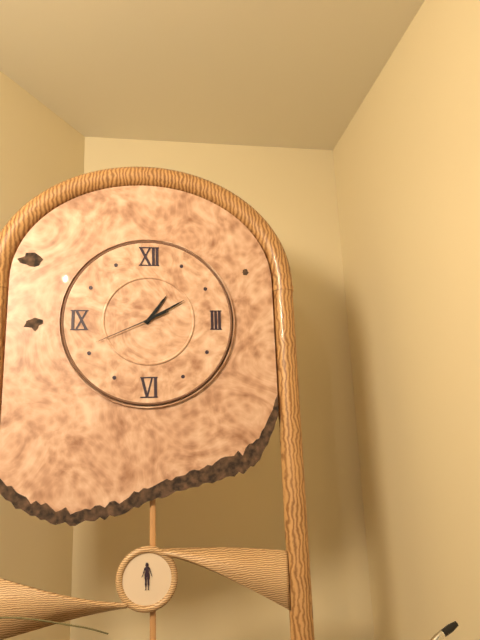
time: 1:10:41
